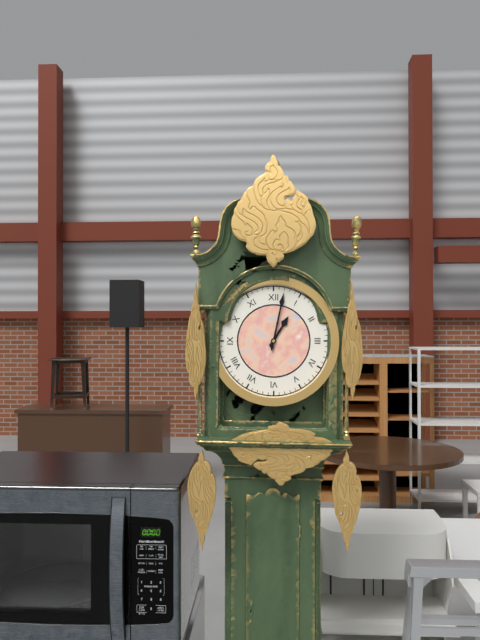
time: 1:02
